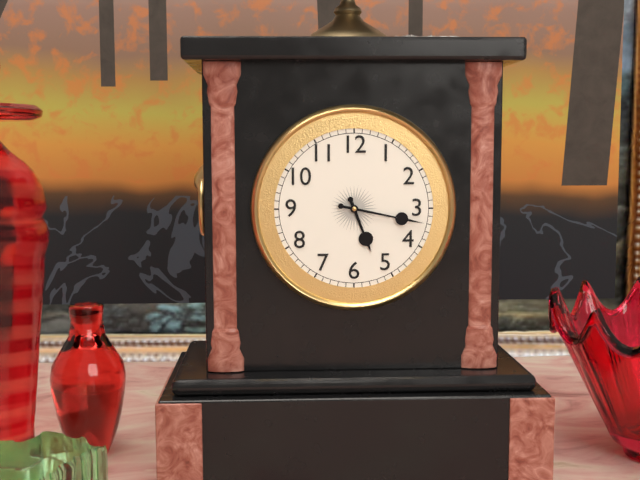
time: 5:17
